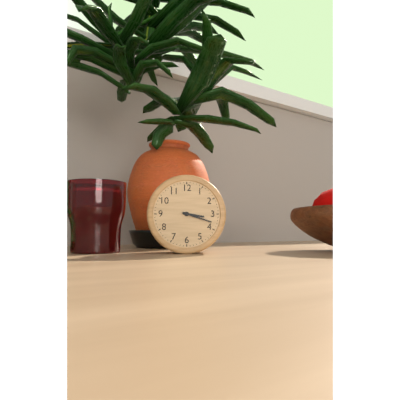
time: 3:18
